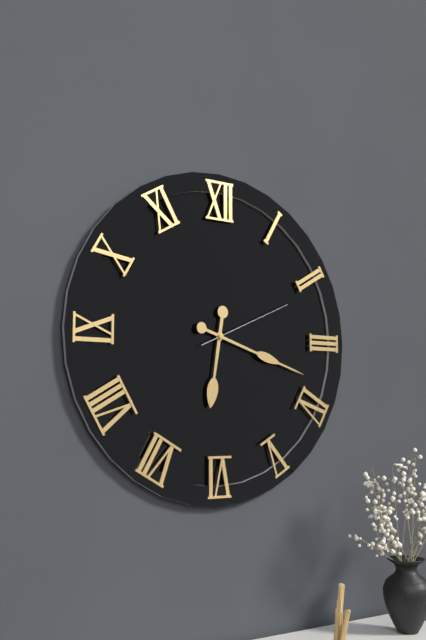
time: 6:18:11
